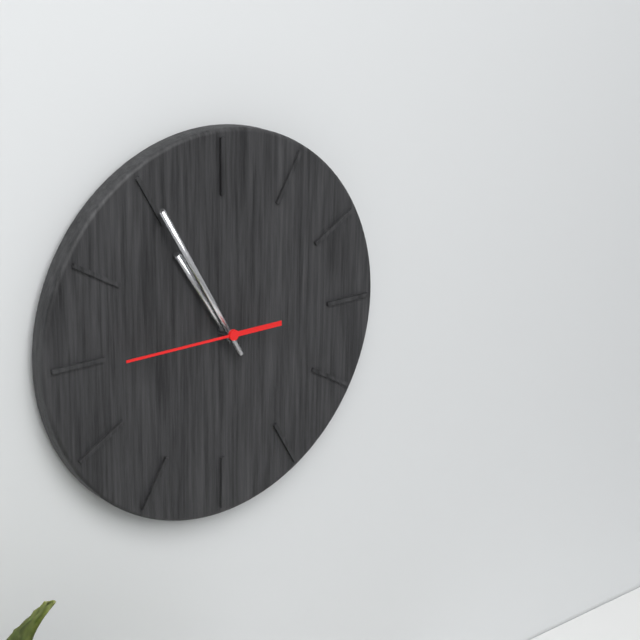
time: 10:55:45
